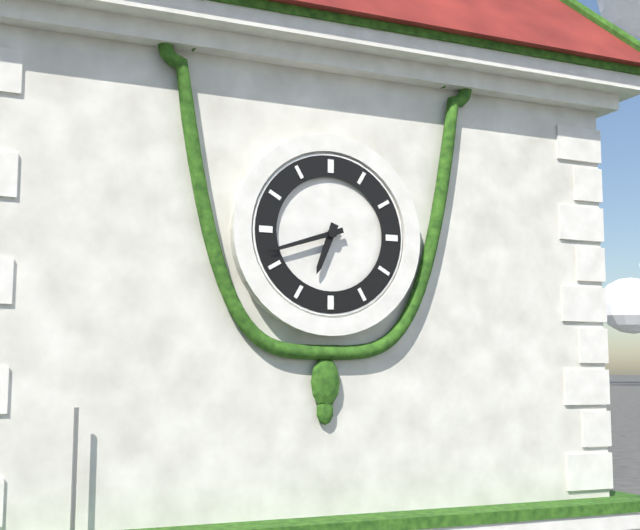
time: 6:42
